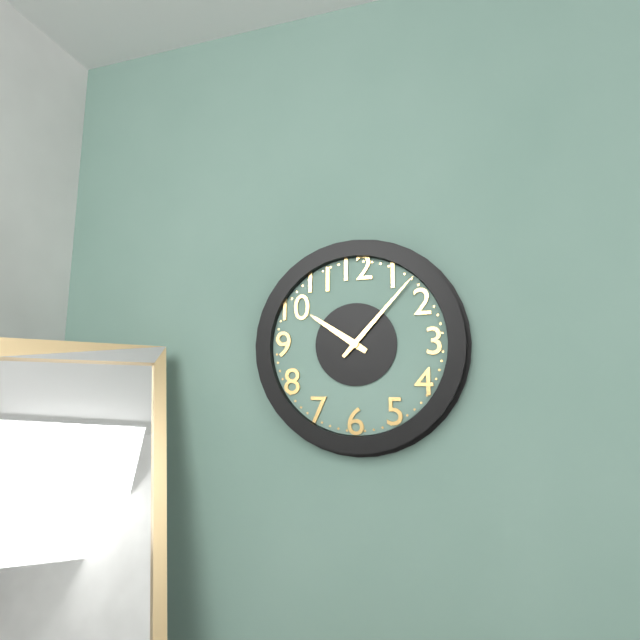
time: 10:07
